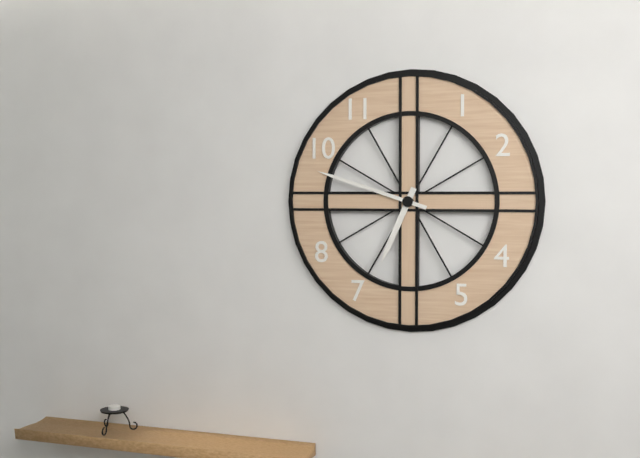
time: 6:48
